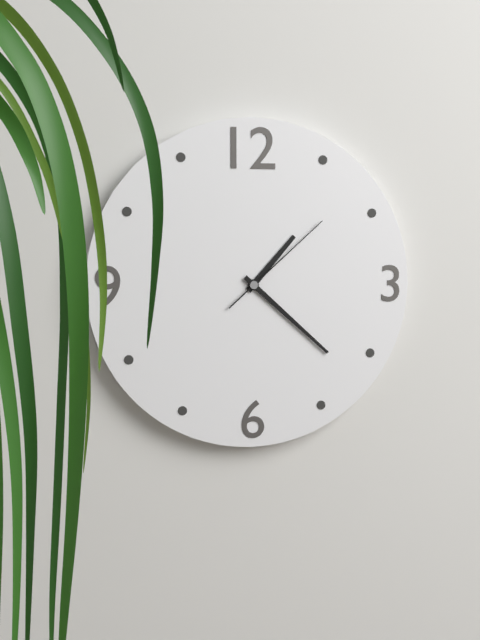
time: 1:22:08
